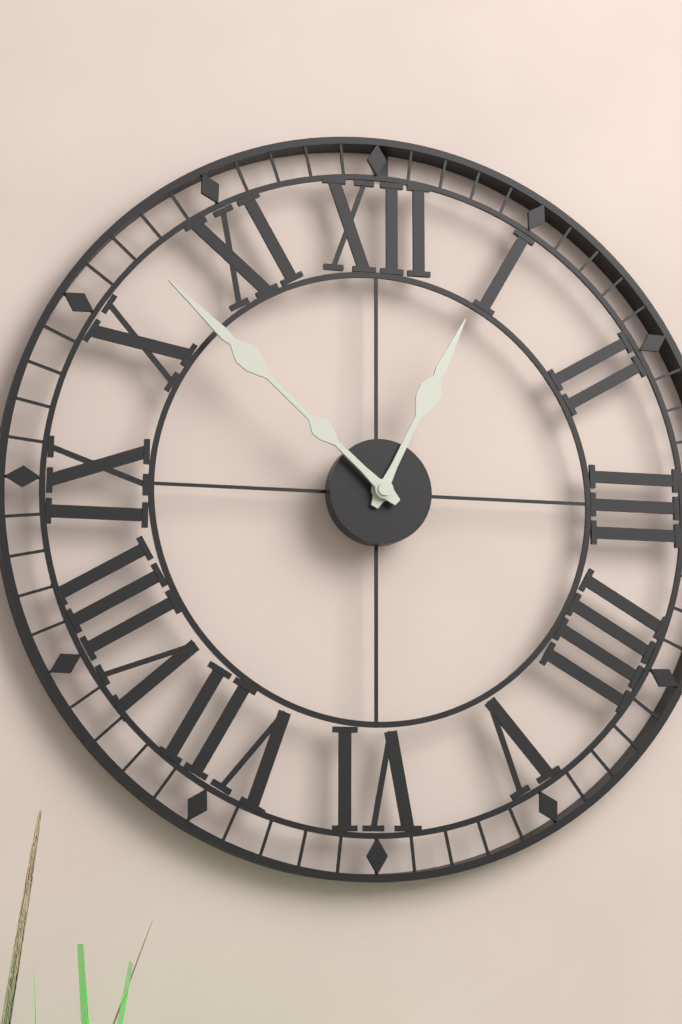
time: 12:52
